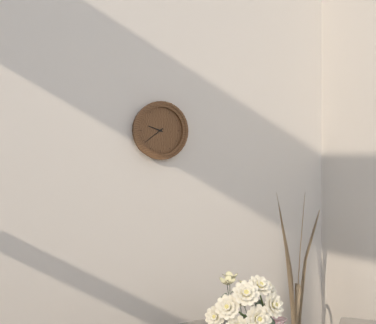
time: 9:39
